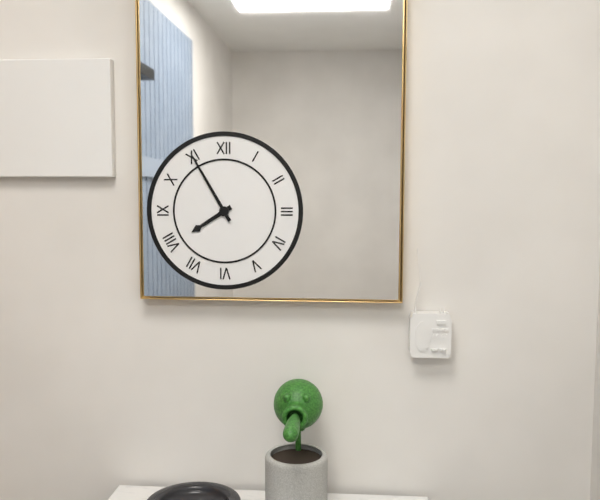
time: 7:55
